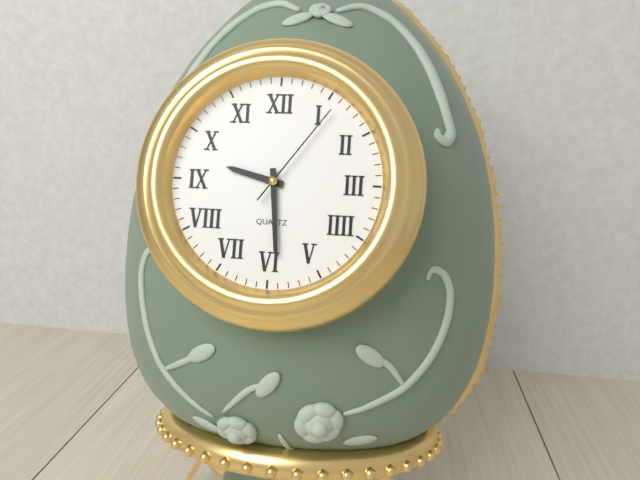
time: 9:29:06
